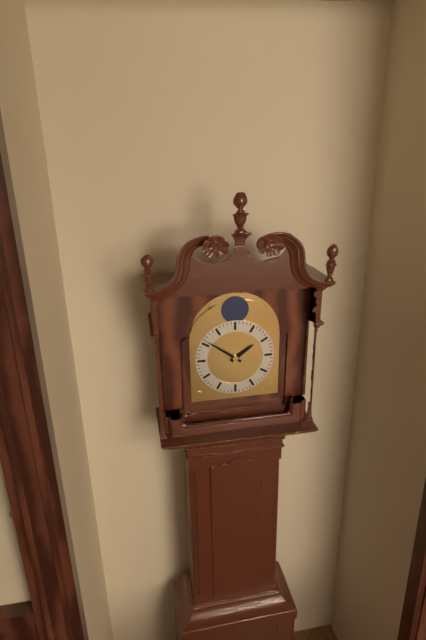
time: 1:51
